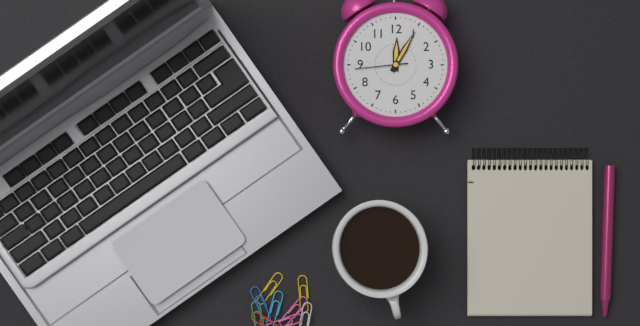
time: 12:05:44
